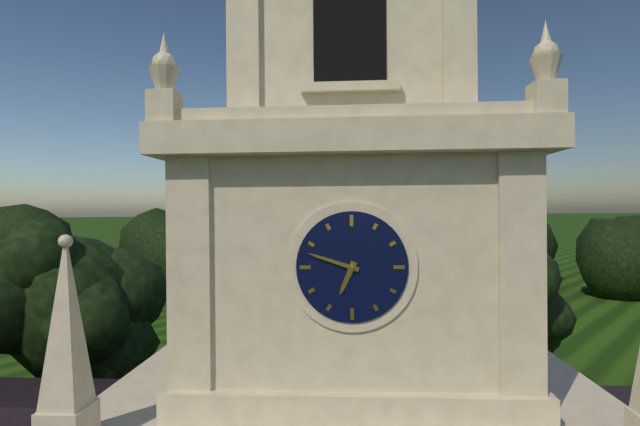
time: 6:48
